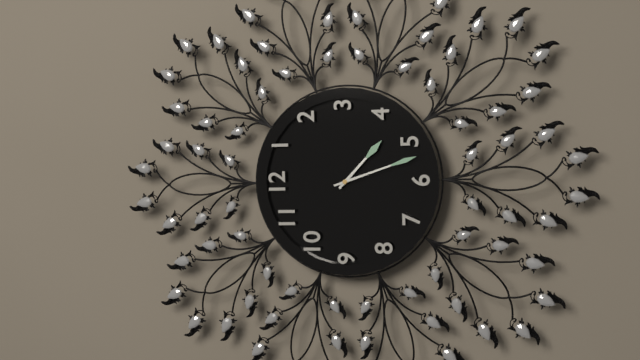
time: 4:27
